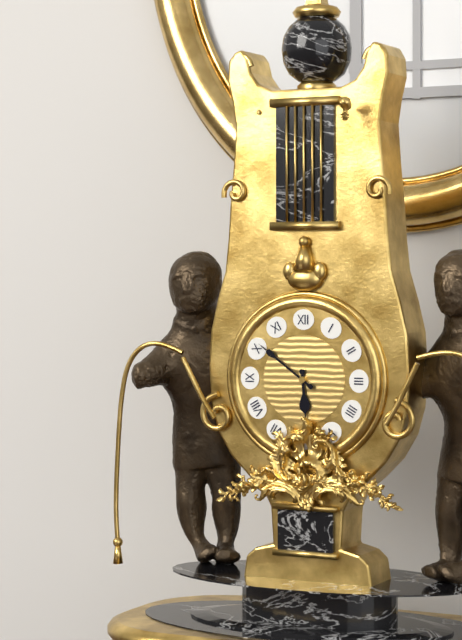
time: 5:51
